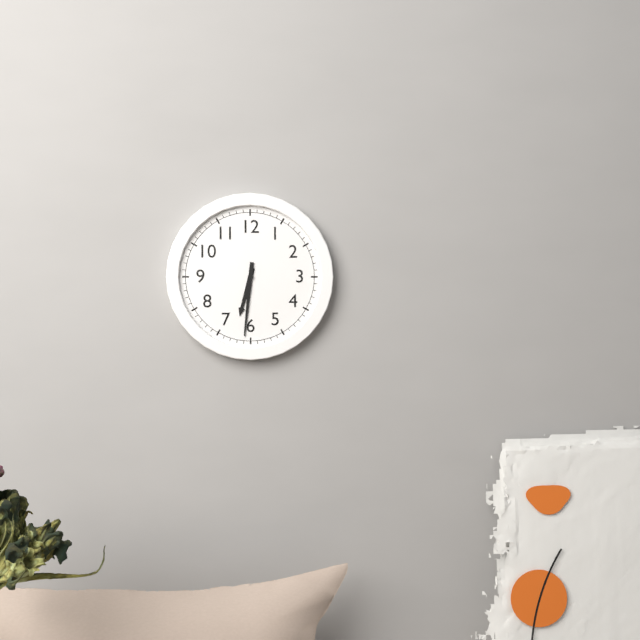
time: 6:31
